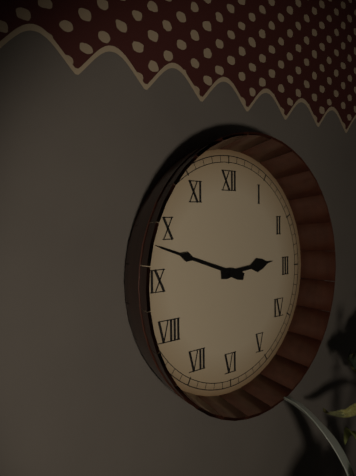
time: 2:48
